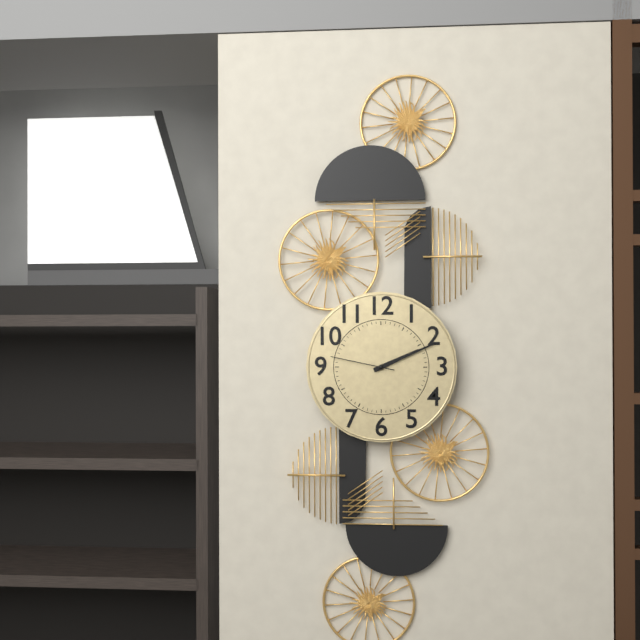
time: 2:11:47
